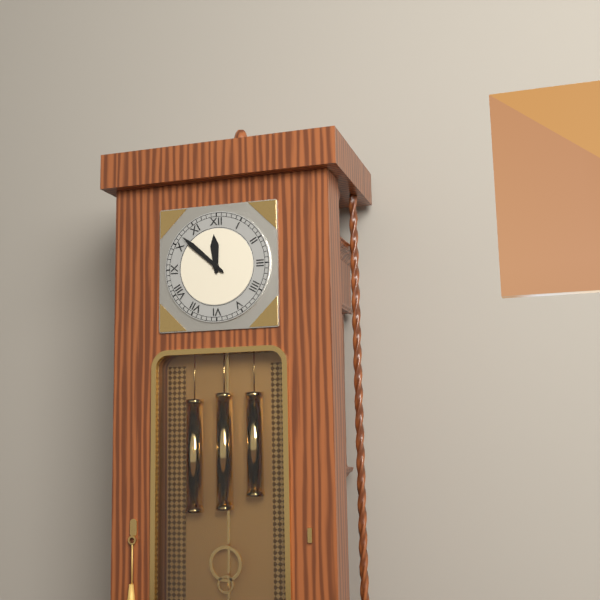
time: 11:52
